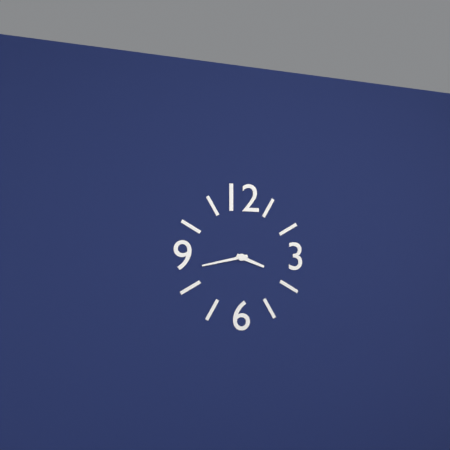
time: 3:43
